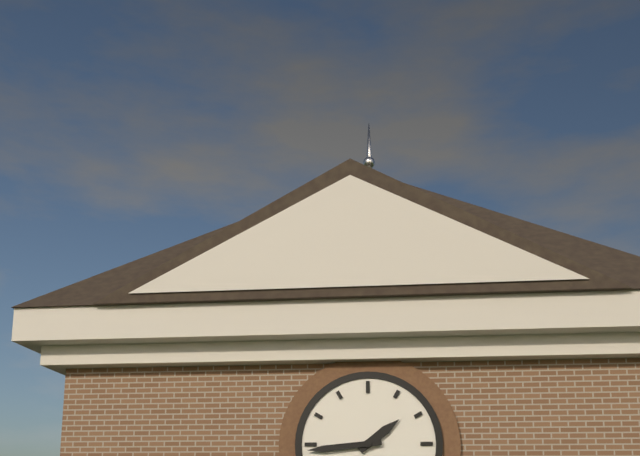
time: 1:44
